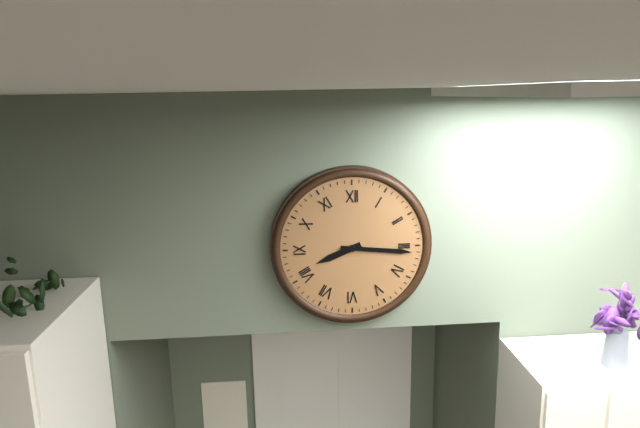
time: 8:16
